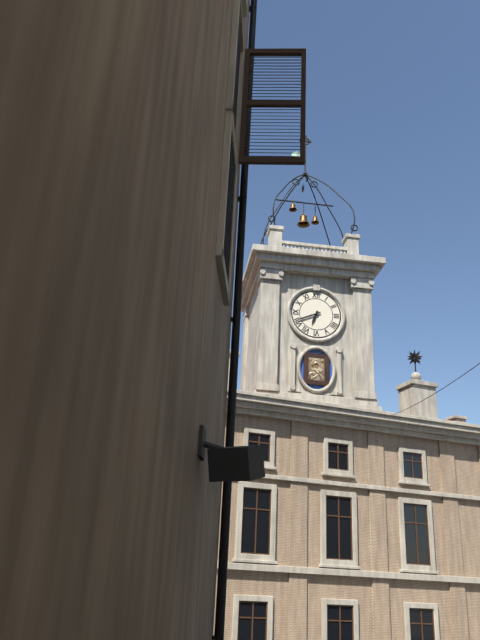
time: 6:41
